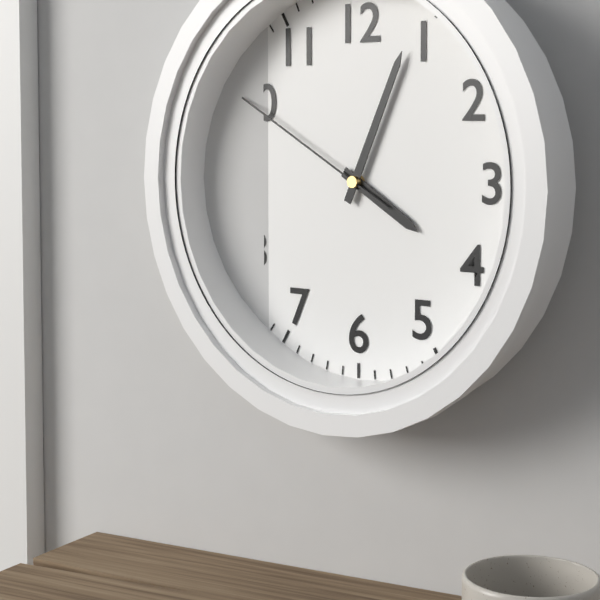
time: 4:04:50
